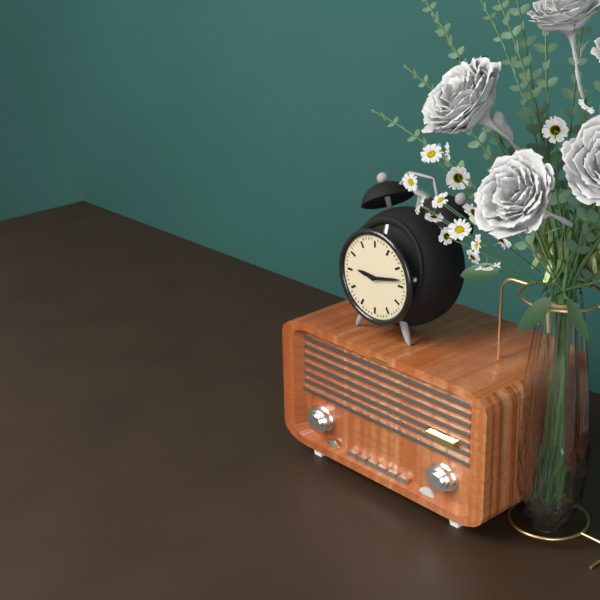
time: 9:13
